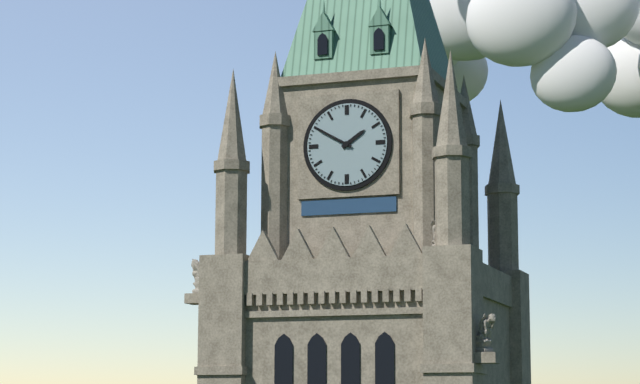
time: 1:50
